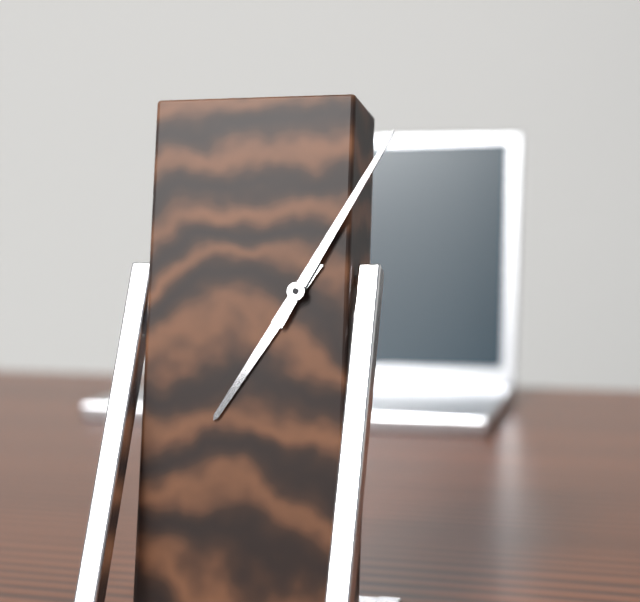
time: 7:05
